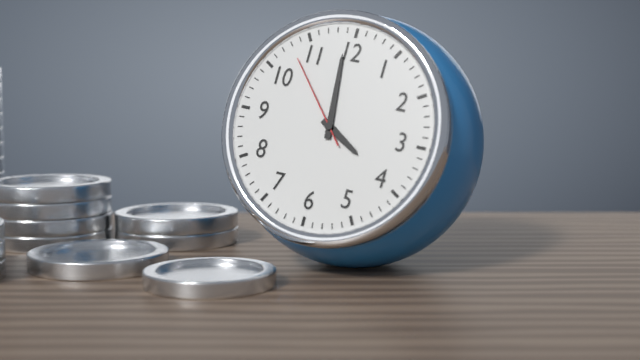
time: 3:59:53
